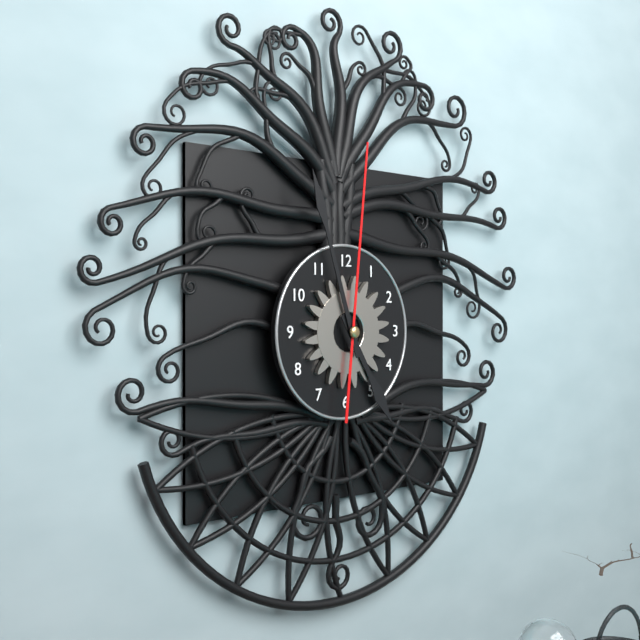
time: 4:57:01
